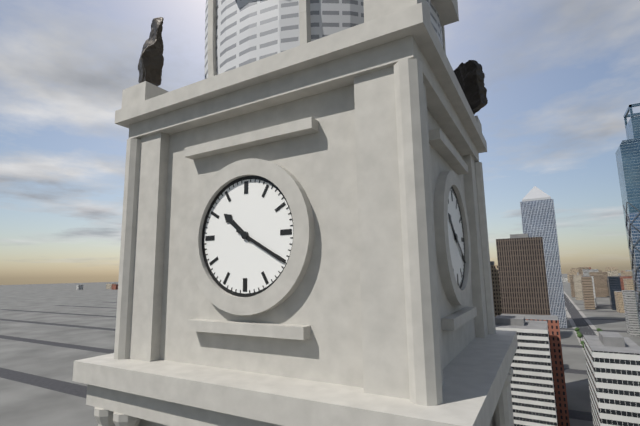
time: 10:20
